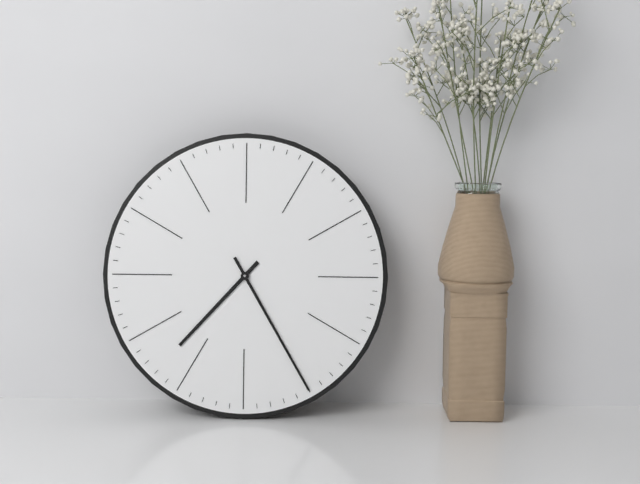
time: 7:25
